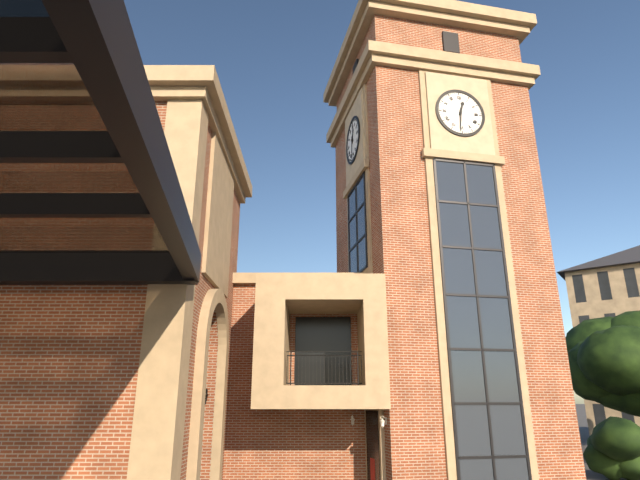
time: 12:31
